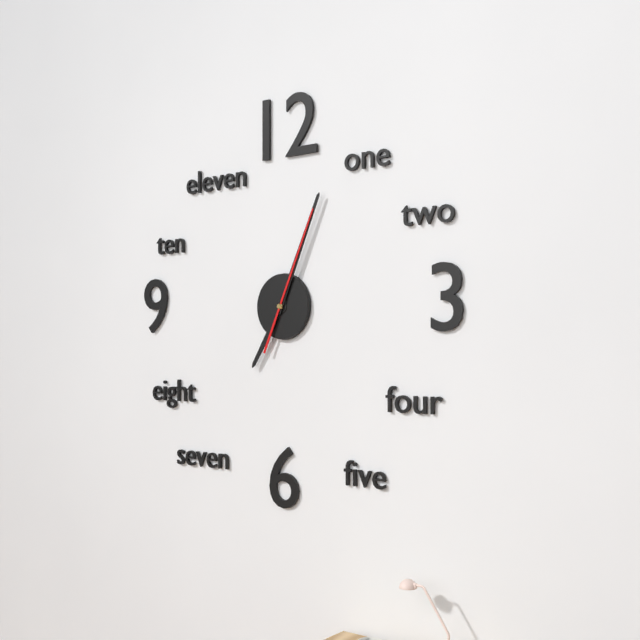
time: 7:04:04
